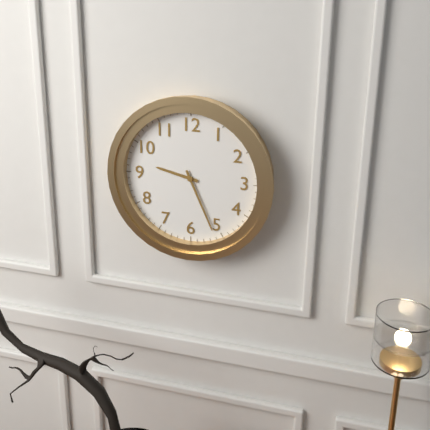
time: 9:26
